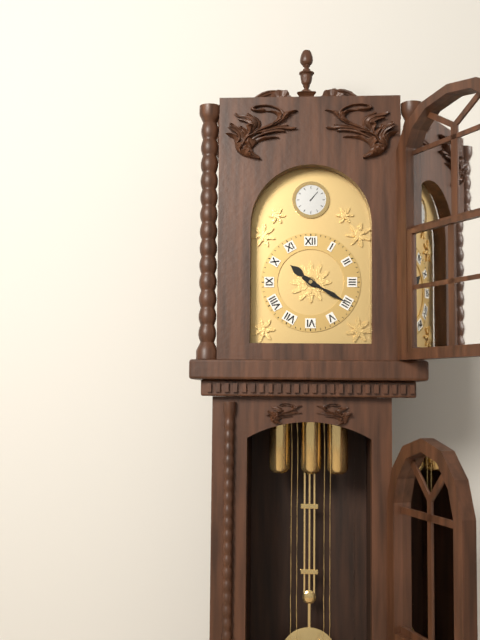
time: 10:20
